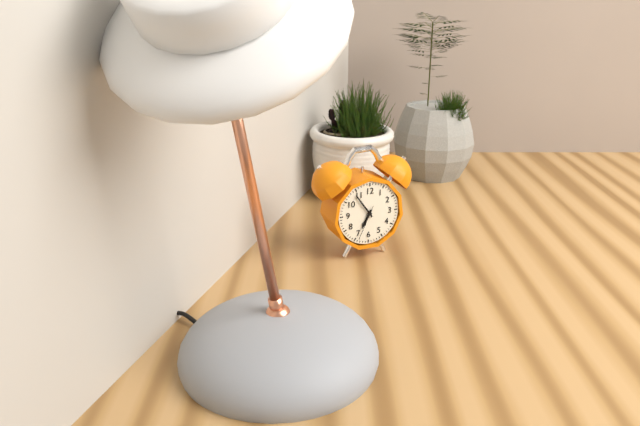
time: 6:54
